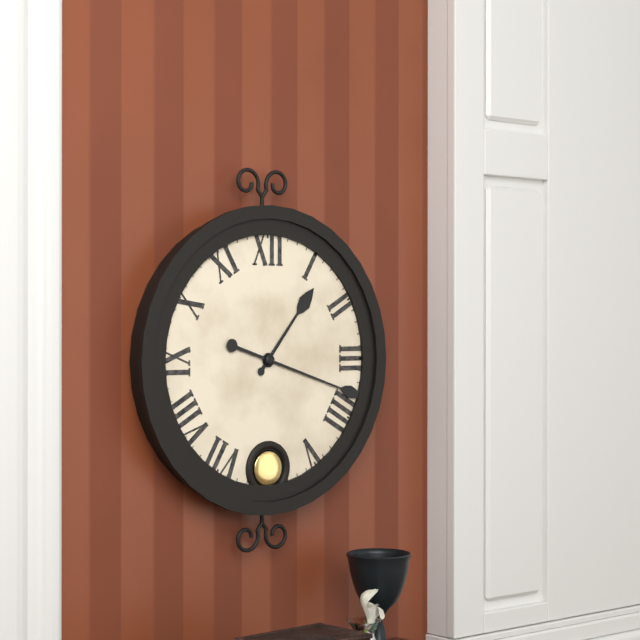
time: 1:18
